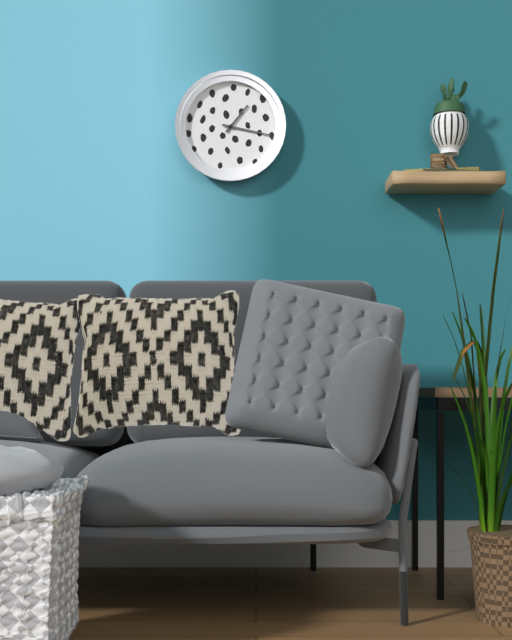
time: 1:17
